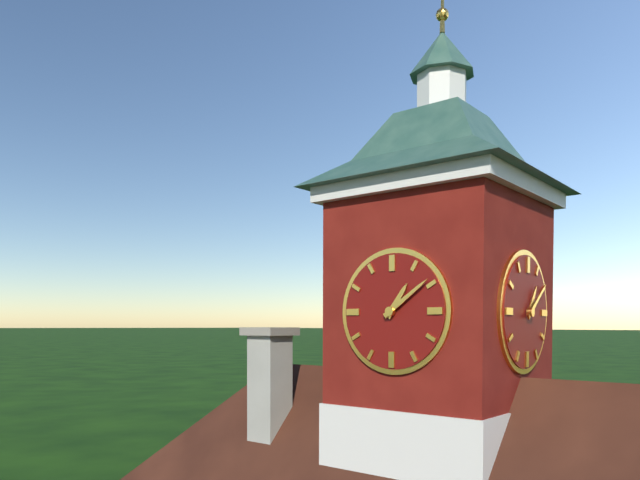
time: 1:09
